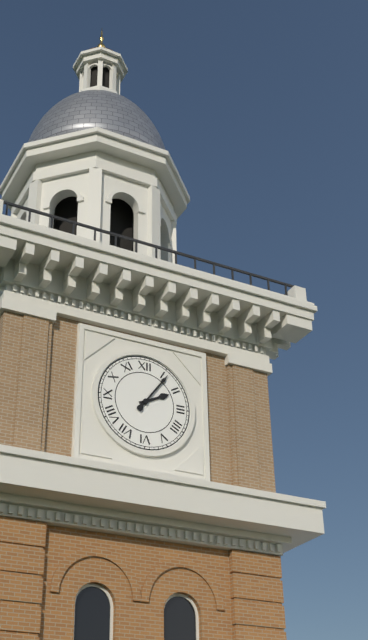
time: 2:06
